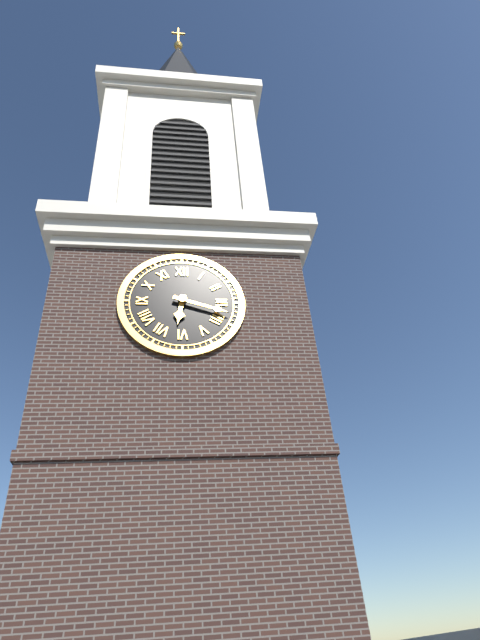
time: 6:18
